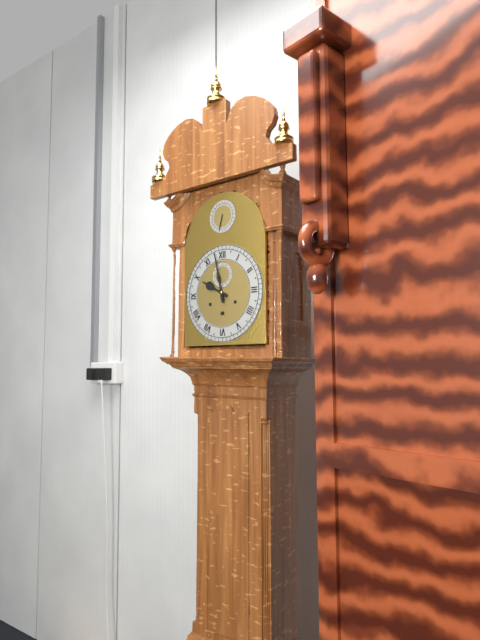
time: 9:58
